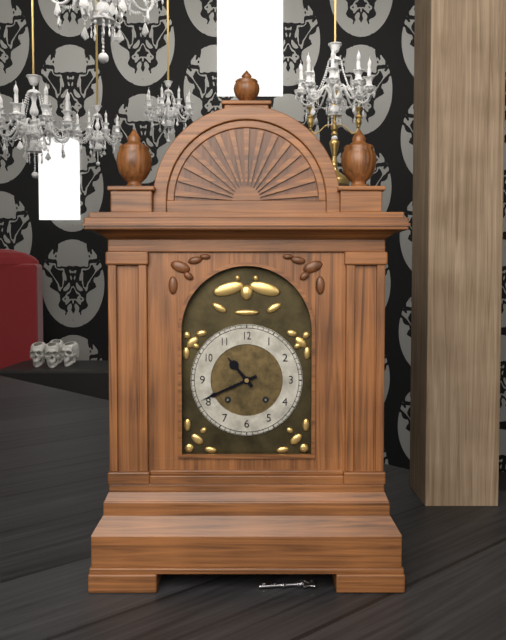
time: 10:41
